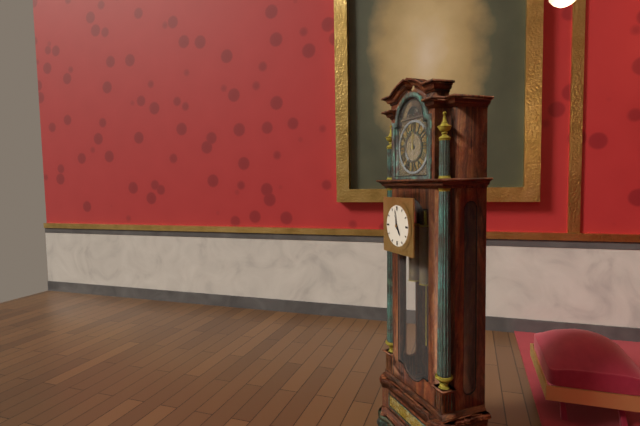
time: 4:58
